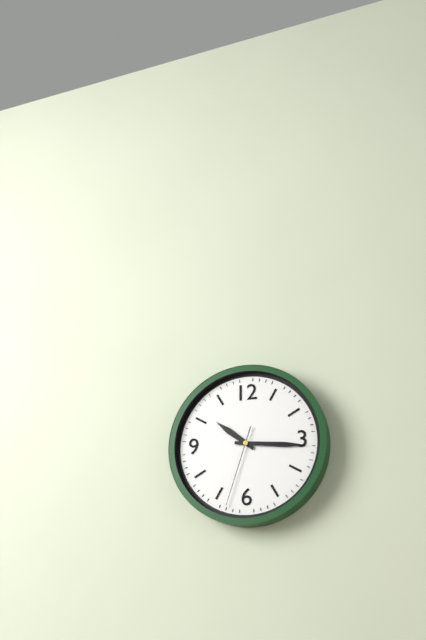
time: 10:16:33
